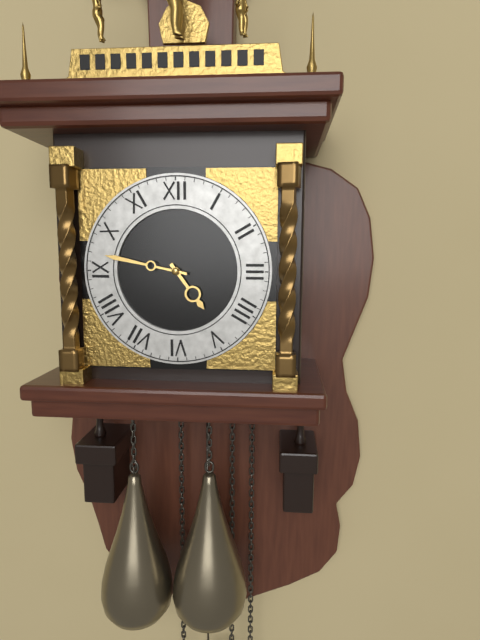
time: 4:47
